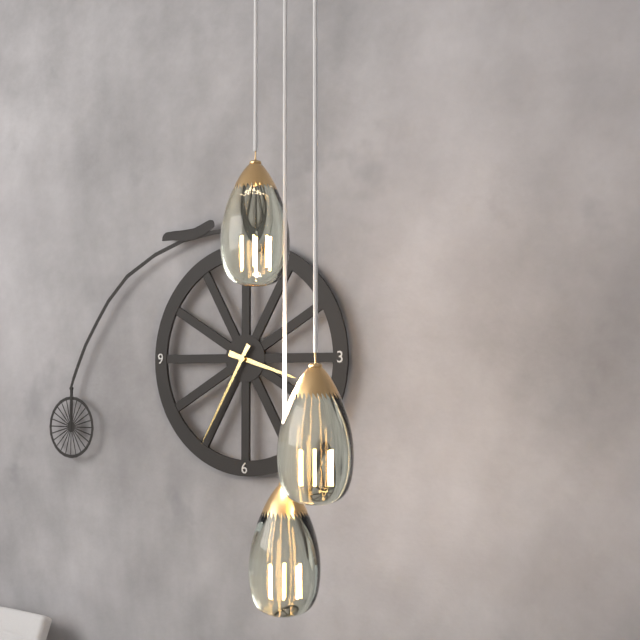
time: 3:35
